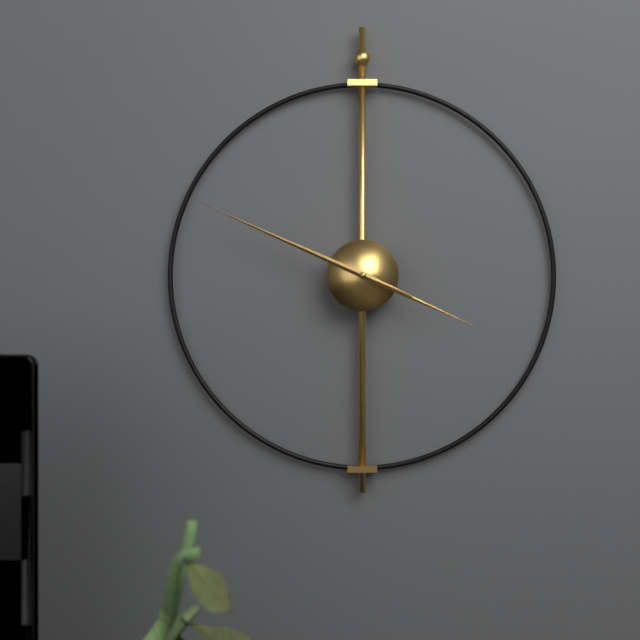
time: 3:49
